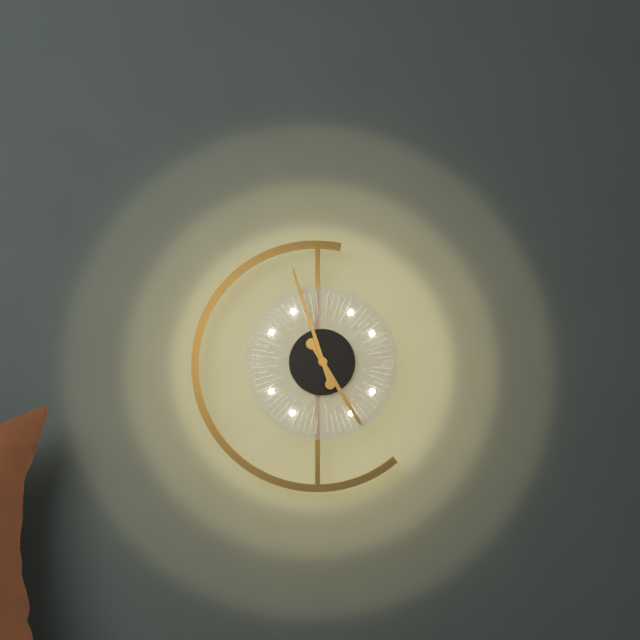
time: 4:57
